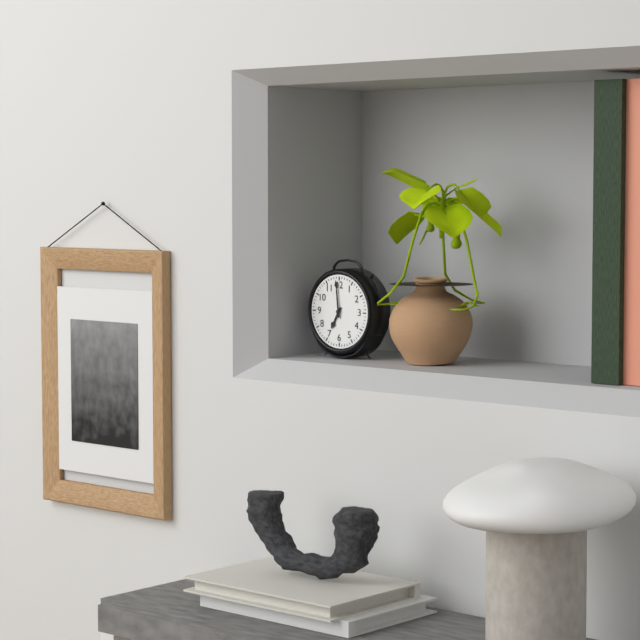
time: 6:59
